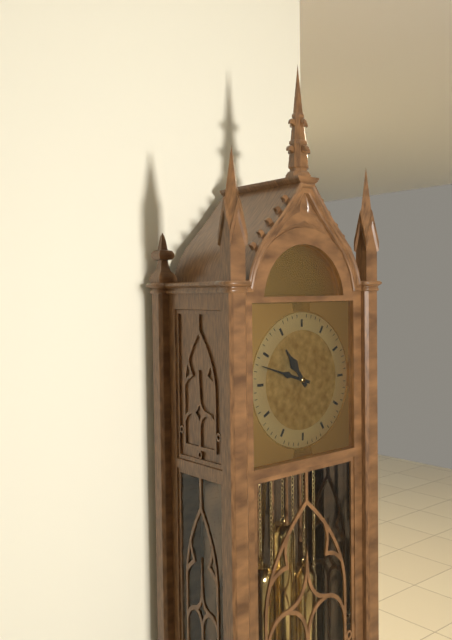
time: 10:48
